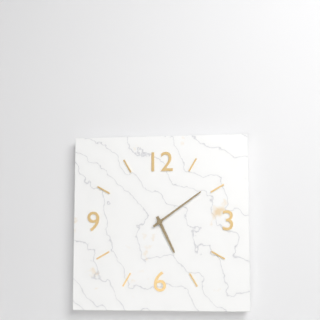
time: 5:09
